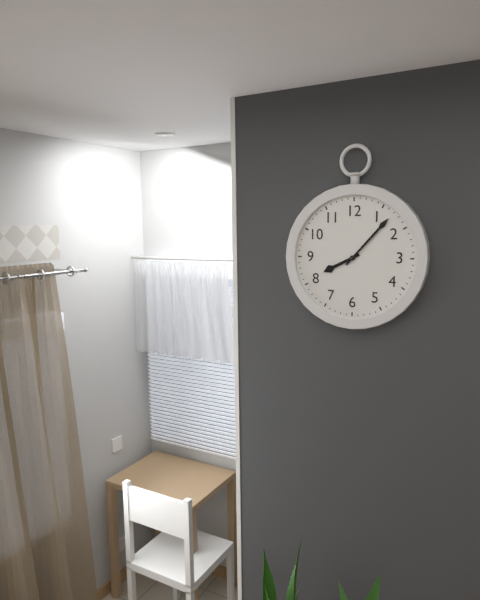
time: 8:07
